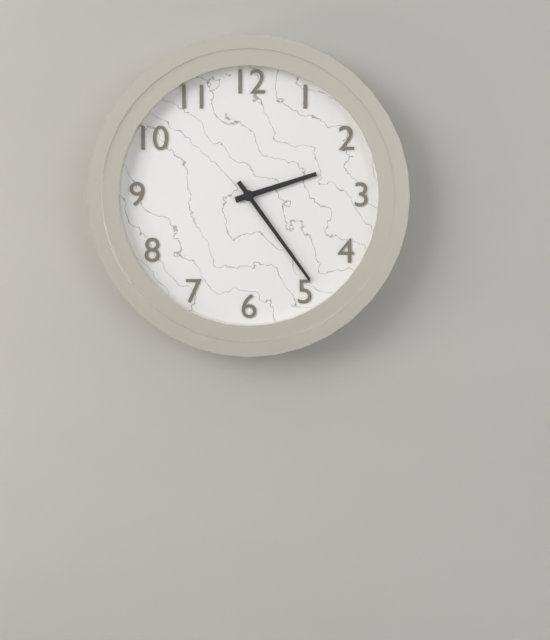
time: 2:24
